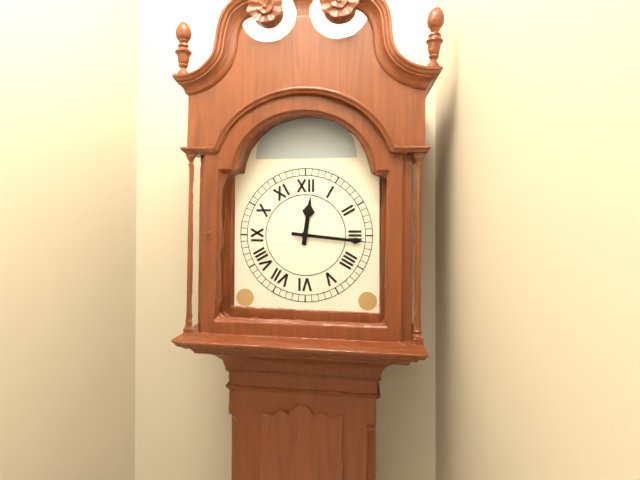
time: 12:16
